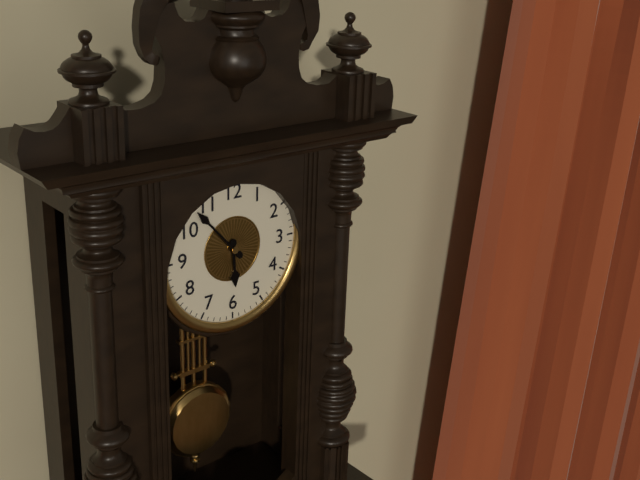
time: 5:53
